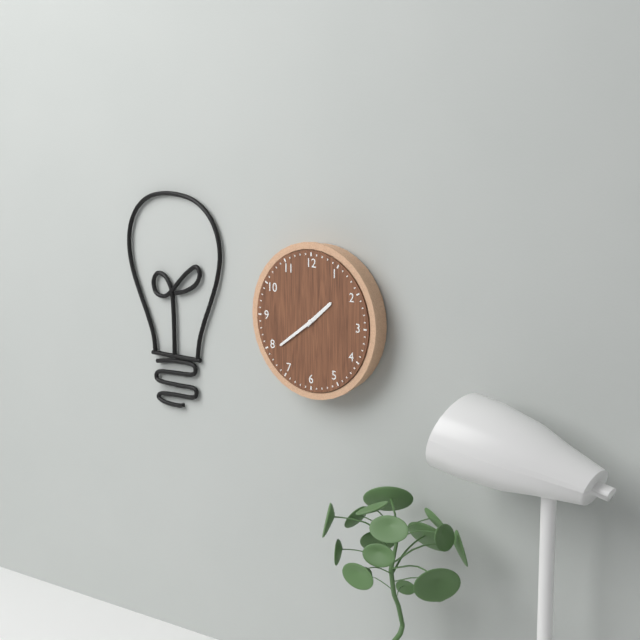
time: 1:39
